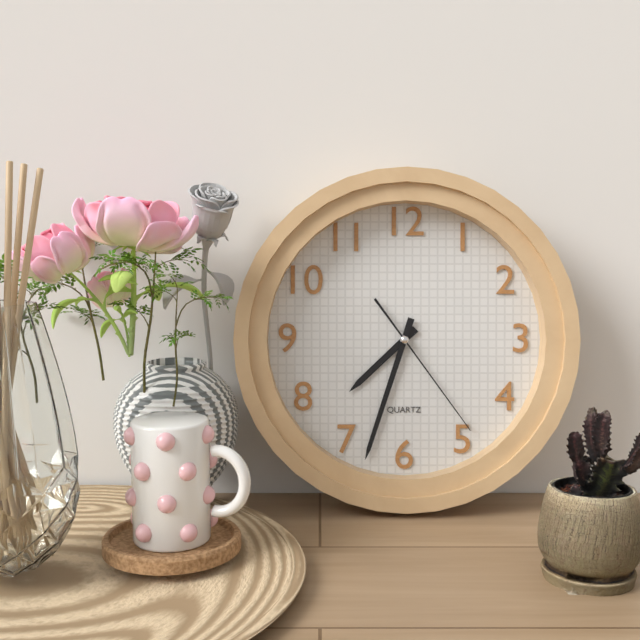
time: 7:33:24
